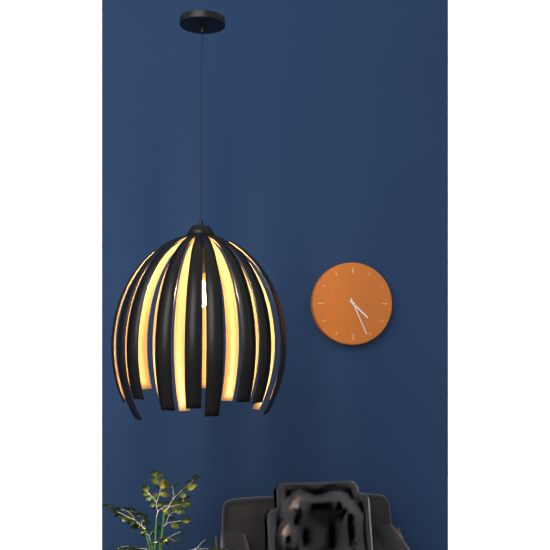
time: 4:26
